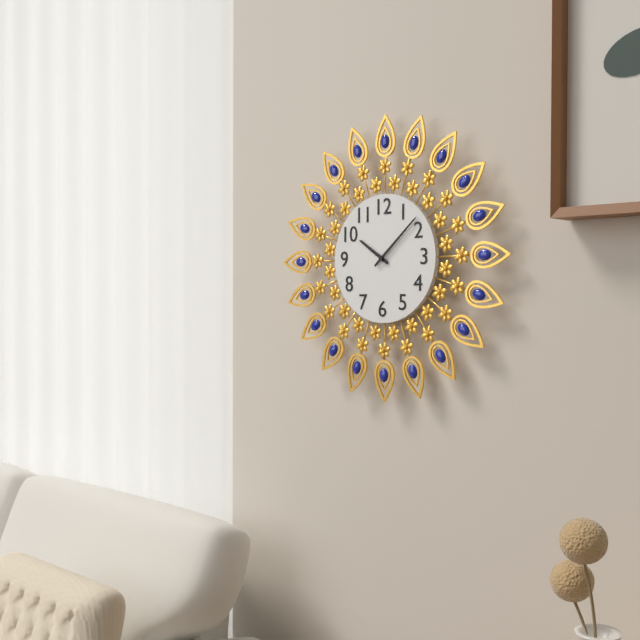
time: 10:08
